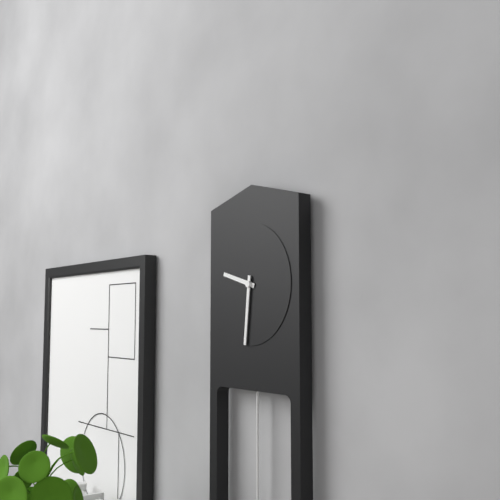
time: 9:31
